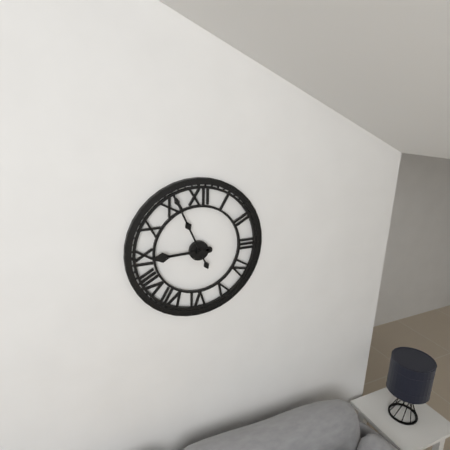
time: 8:56
